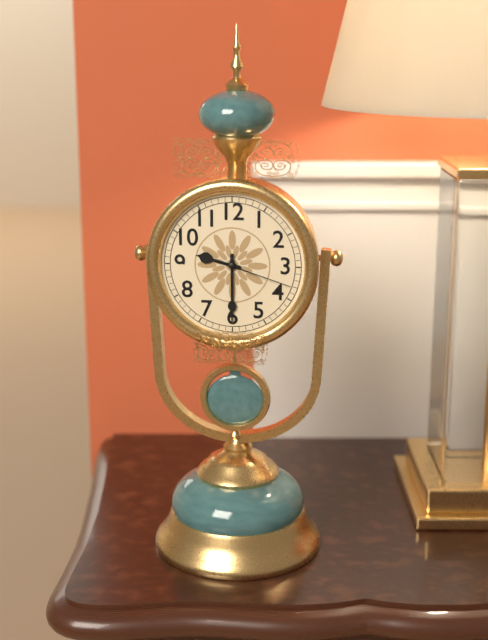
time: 9:30:18
